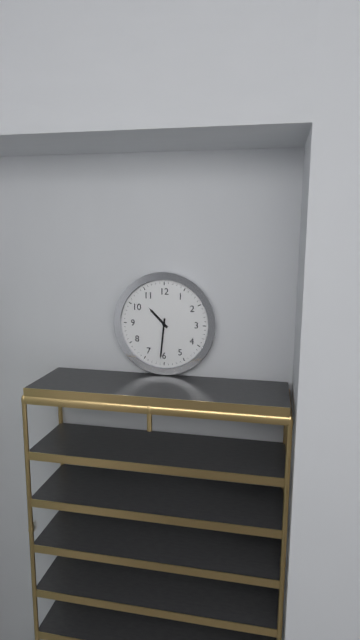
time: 10:31
